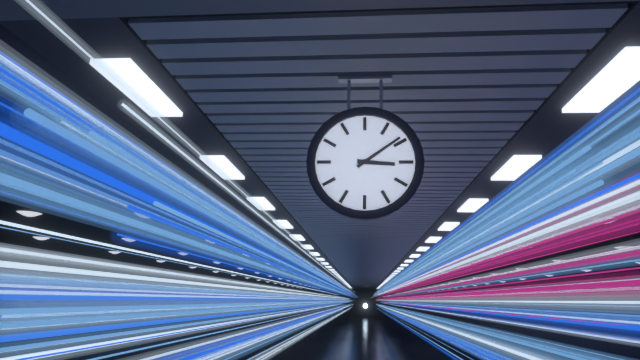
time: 3:09
